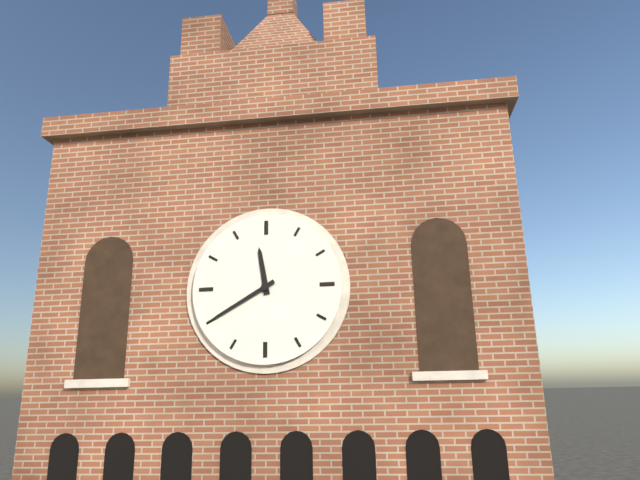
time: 11:40
